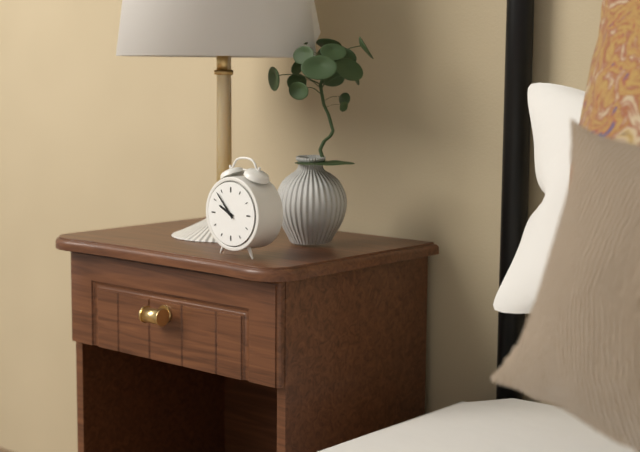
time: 9:53
